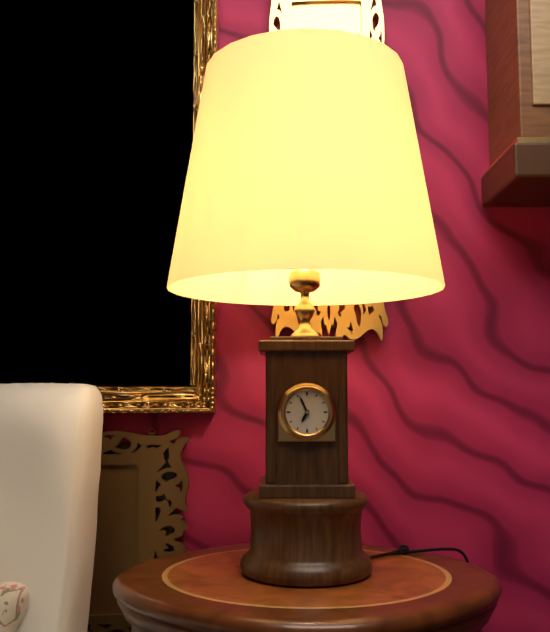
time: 6:56
